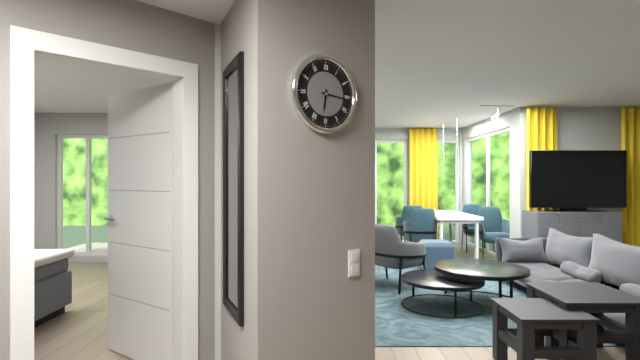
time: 6:16
